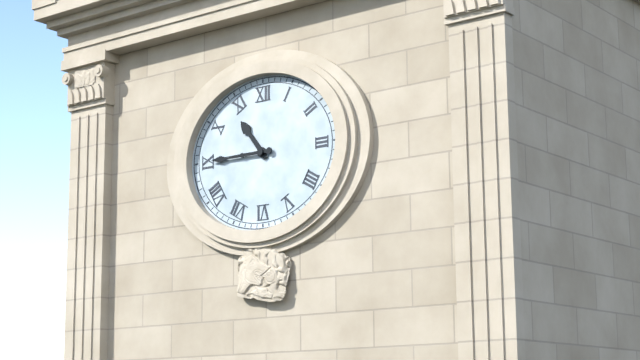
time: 10:45
